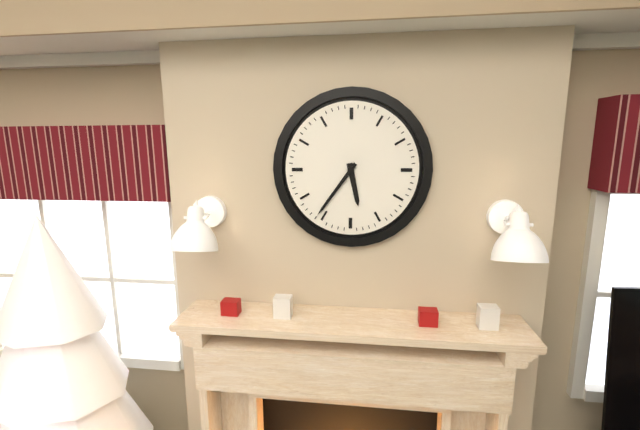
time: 5:36
